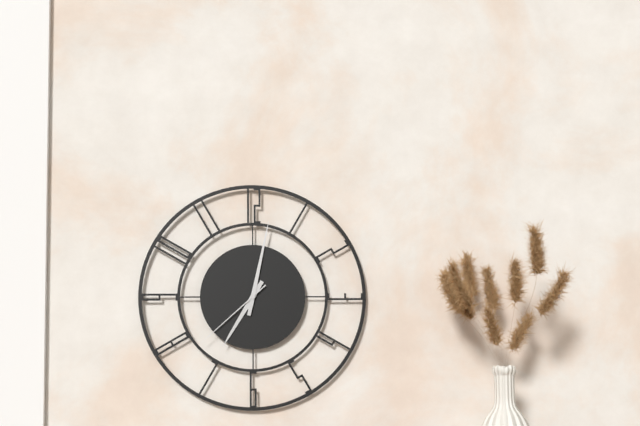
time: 7:02:38
